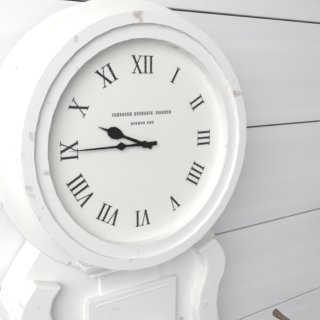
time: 9:45
